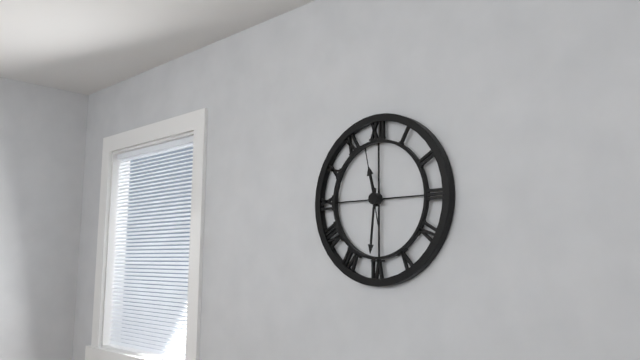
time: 11:31:58
